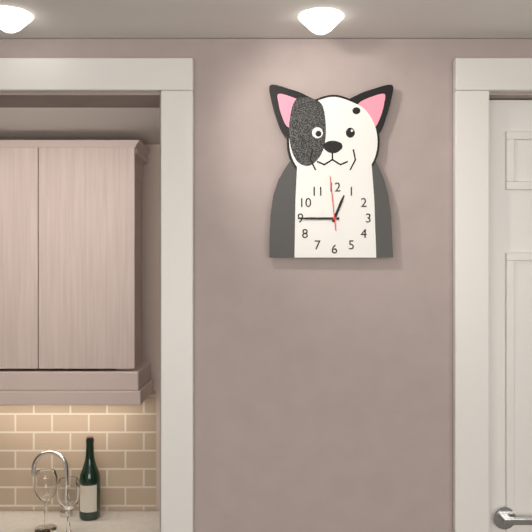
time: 12:45:59
